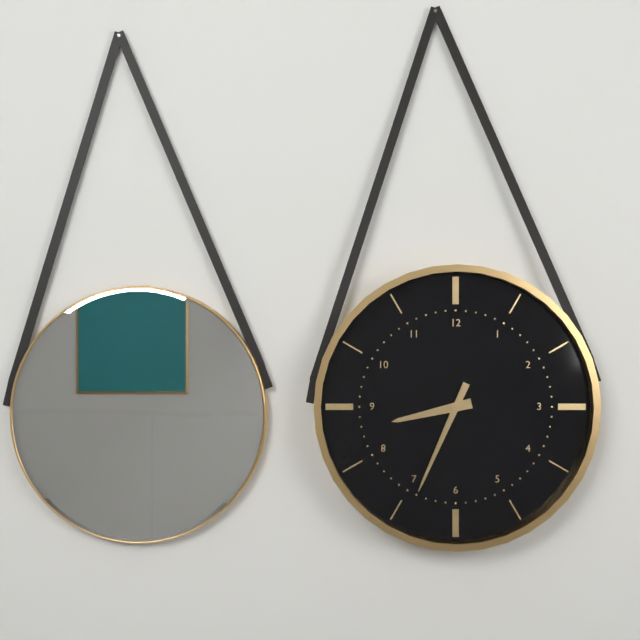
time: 8:34
